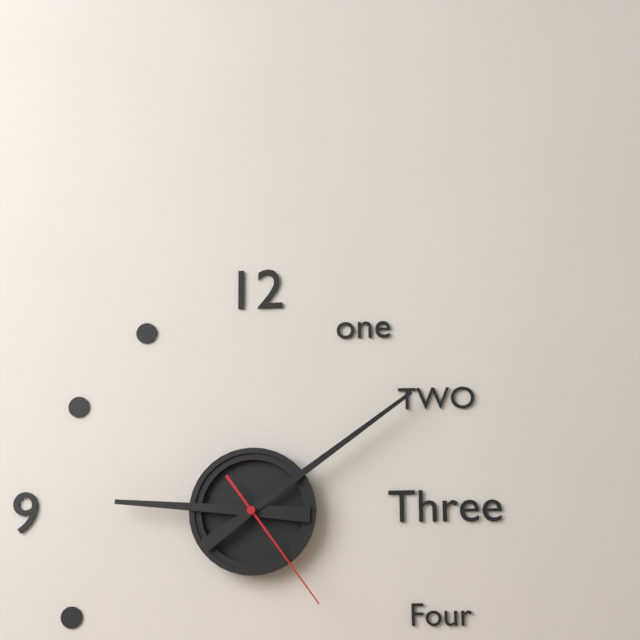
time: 9:09:24
